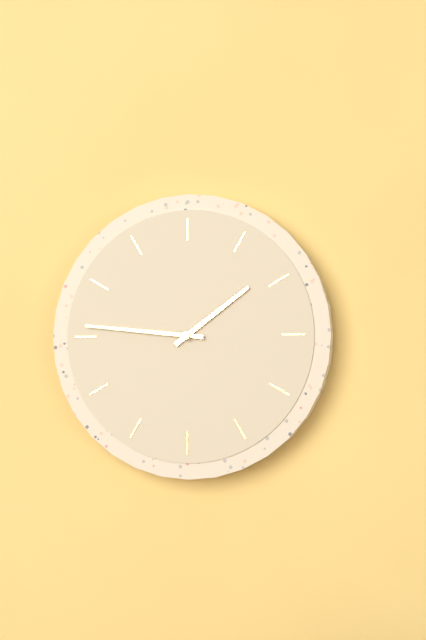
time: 1:46
